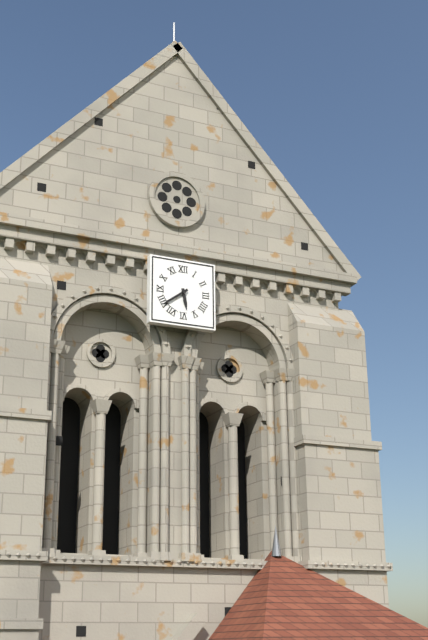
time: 5:39
